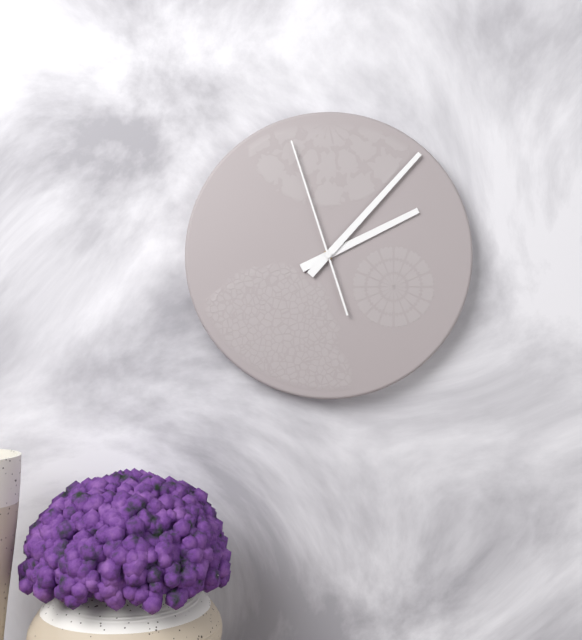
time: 2:07:57
